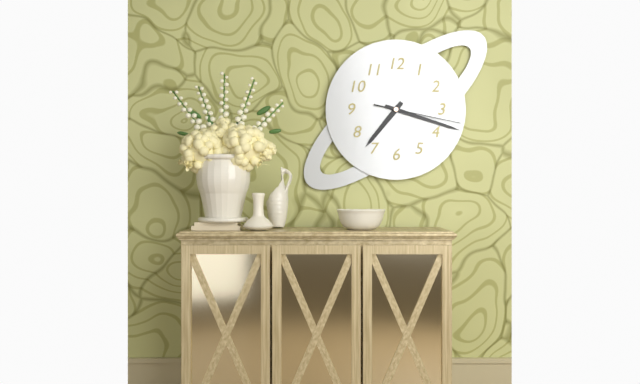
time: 7:18:17
